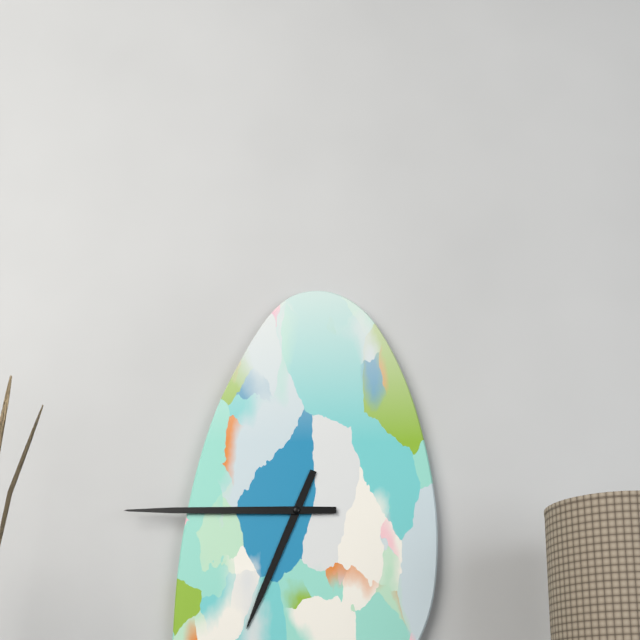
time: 6:45
